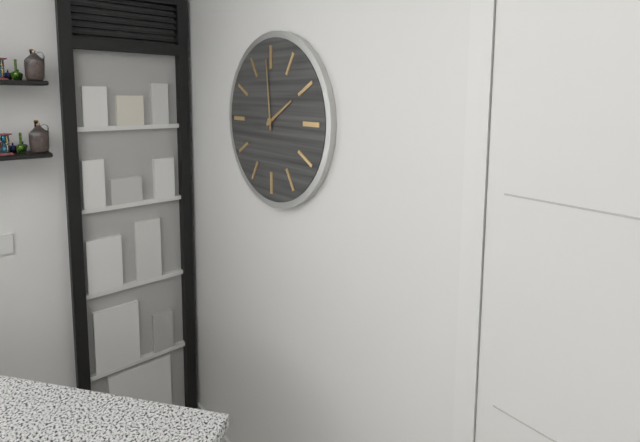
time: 1:59
